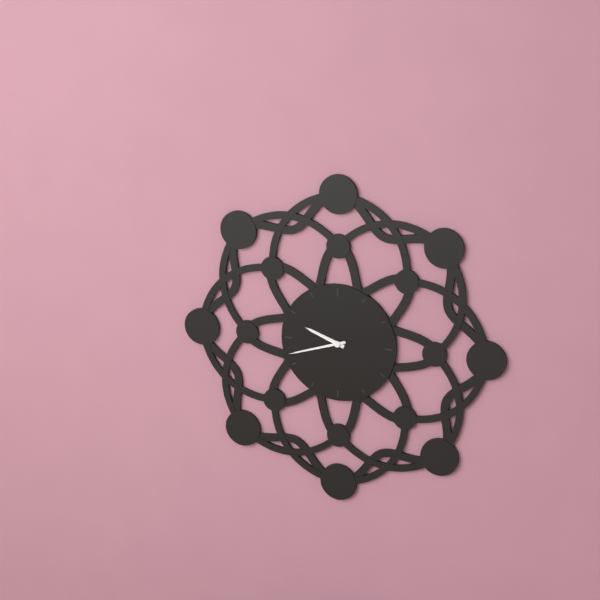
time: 9:42
